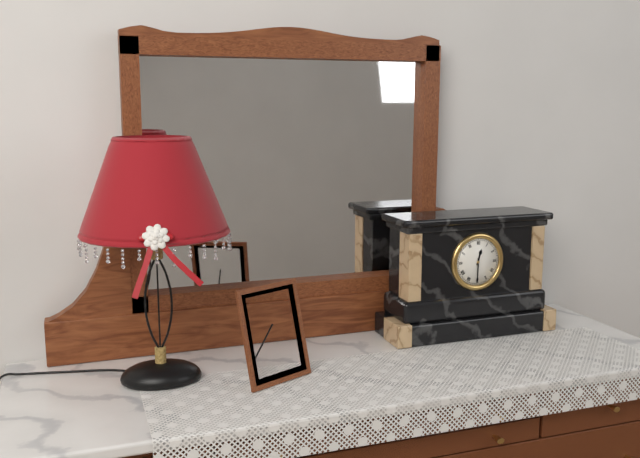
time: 12:30
